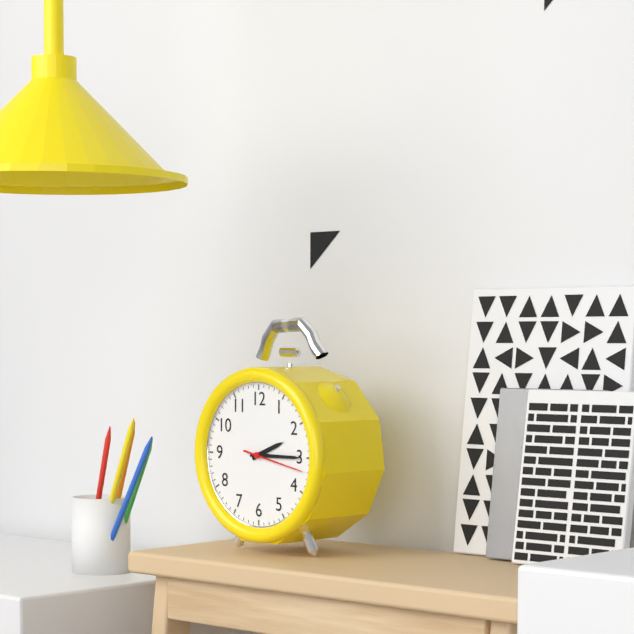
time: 2:15:17
